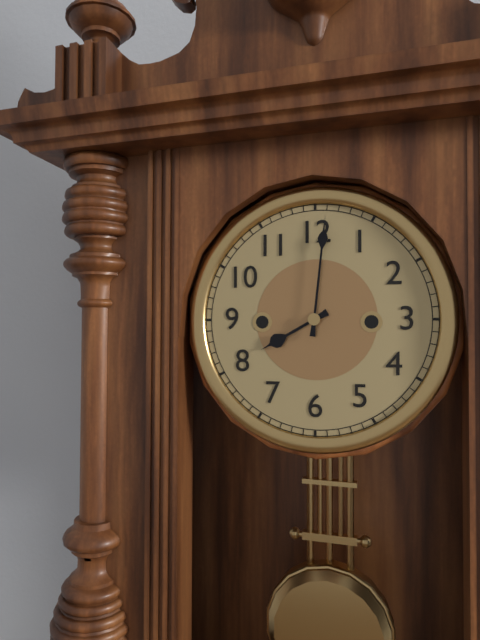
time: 8:01
